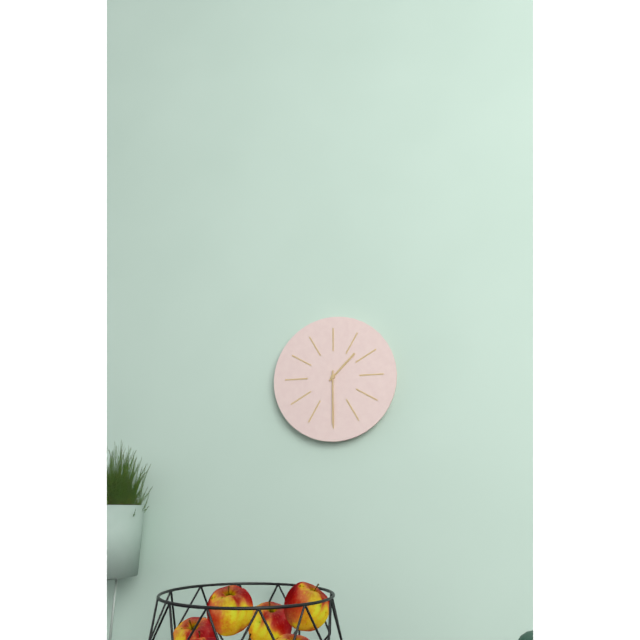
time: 1:30
